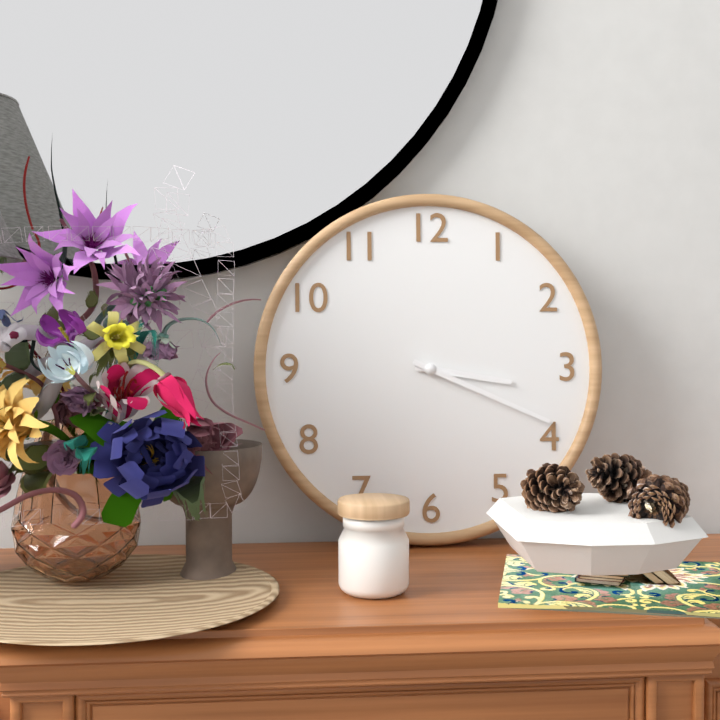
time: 3:19
